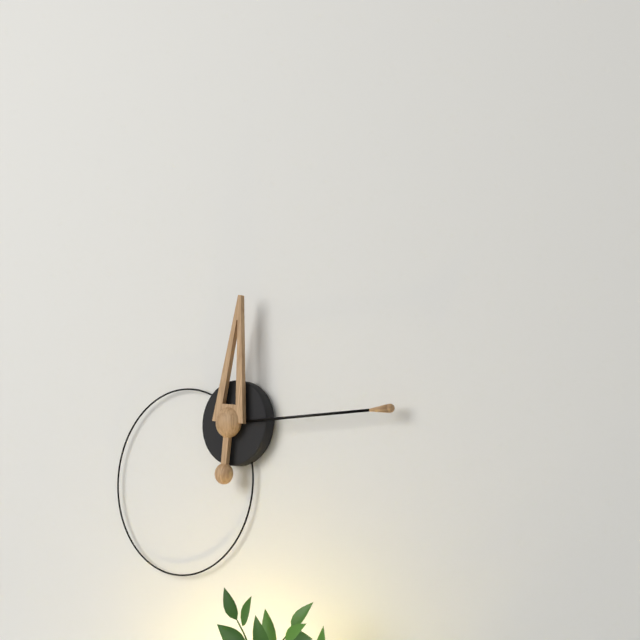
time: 12:15
